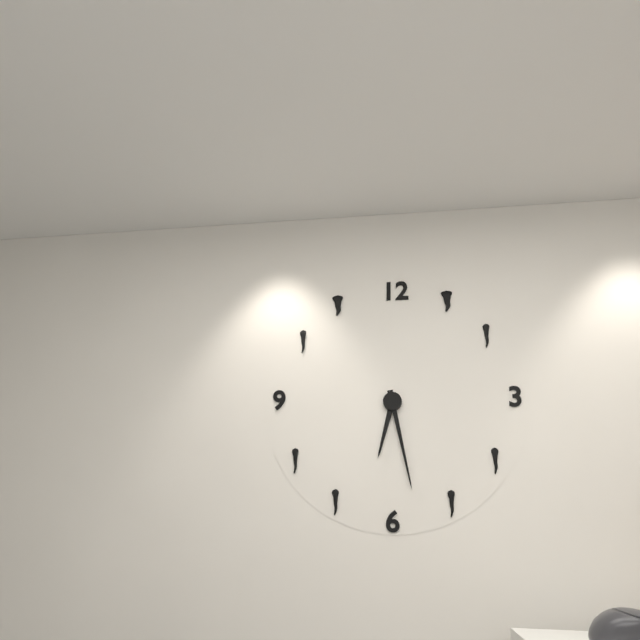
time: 6:28
